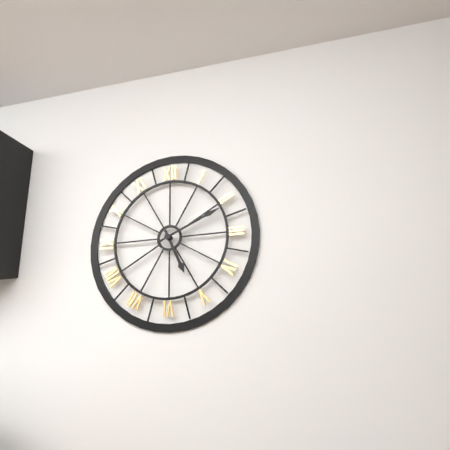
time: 5:11
